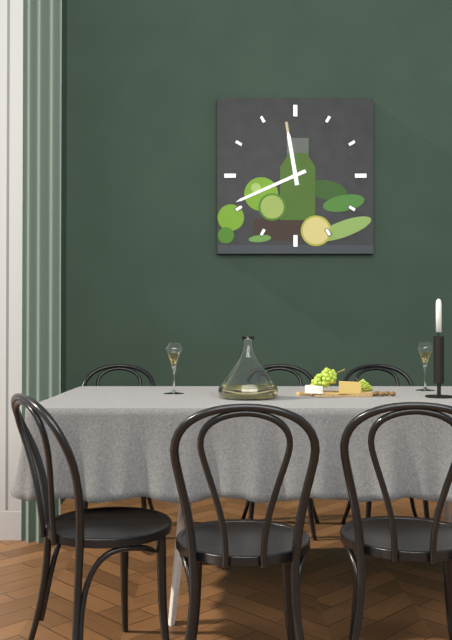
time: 11:41
